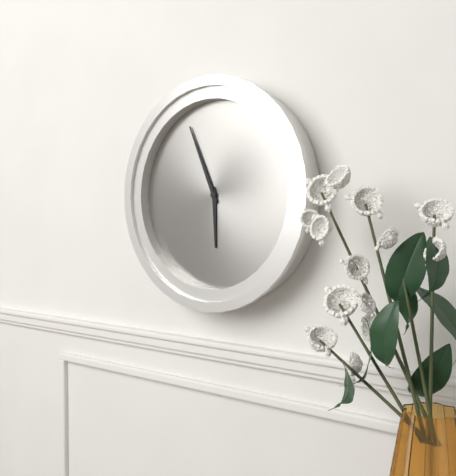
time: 5:56
